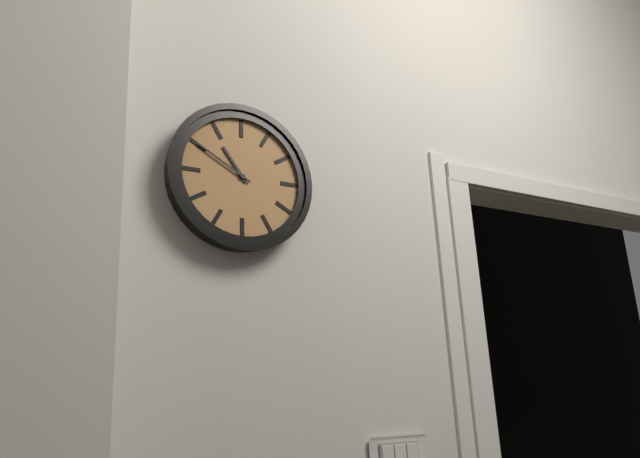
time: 10:50
